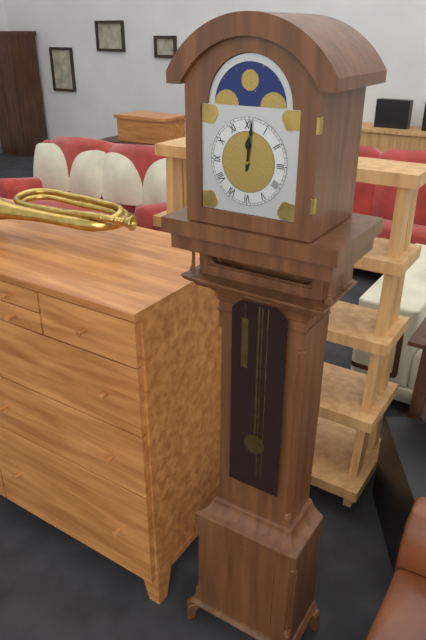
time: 12:01
